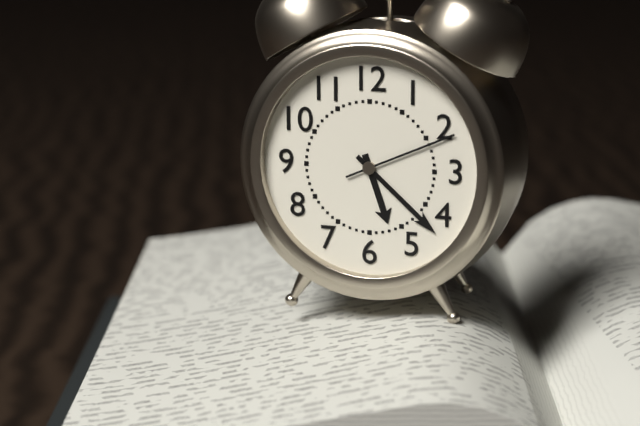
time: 5:22:11
